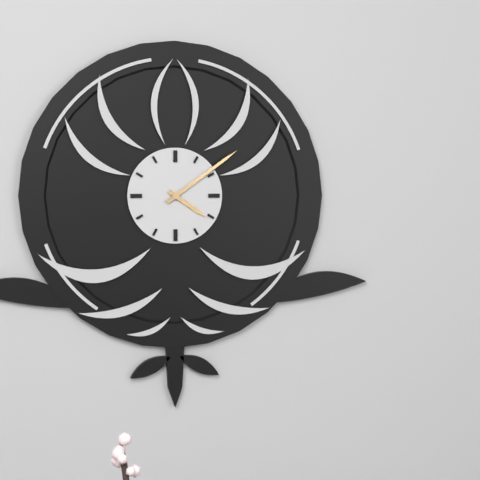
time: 4:09
